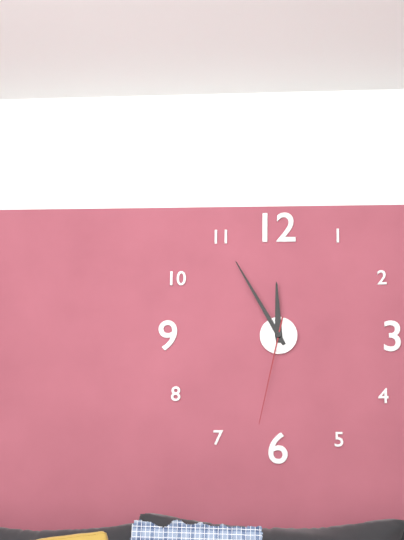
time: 11:55:32
